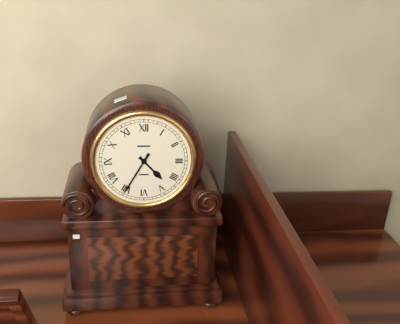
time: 4:35
